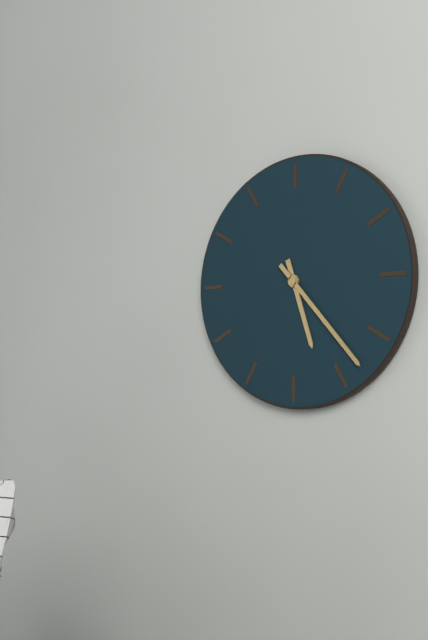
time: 5:23
